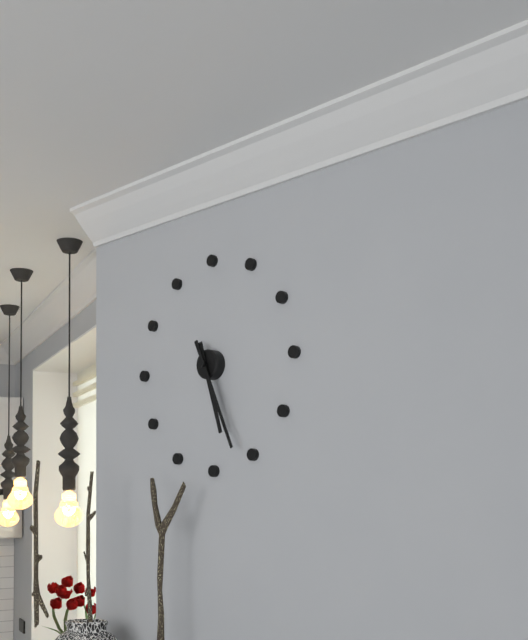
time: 5:26
